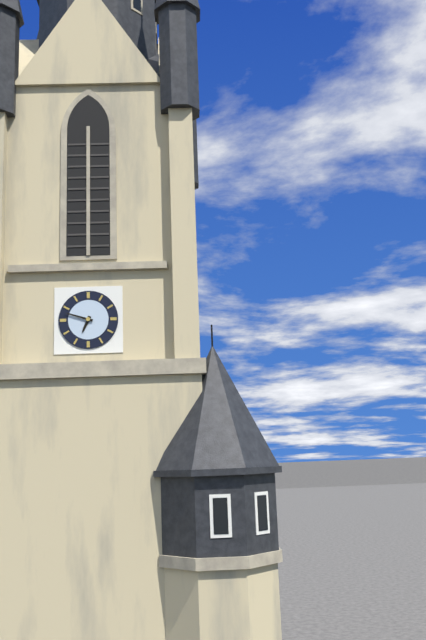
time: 6:48
